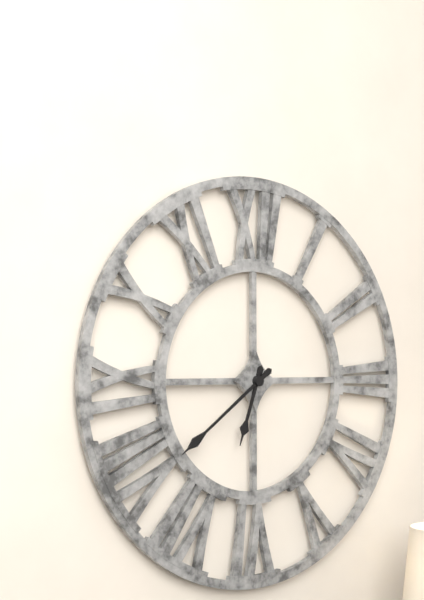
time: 6:39
